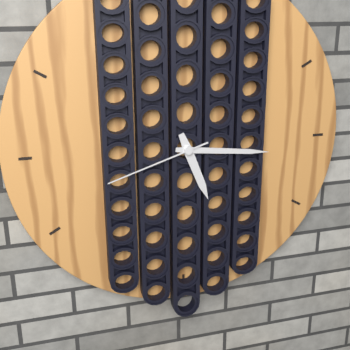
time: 5:16:42
